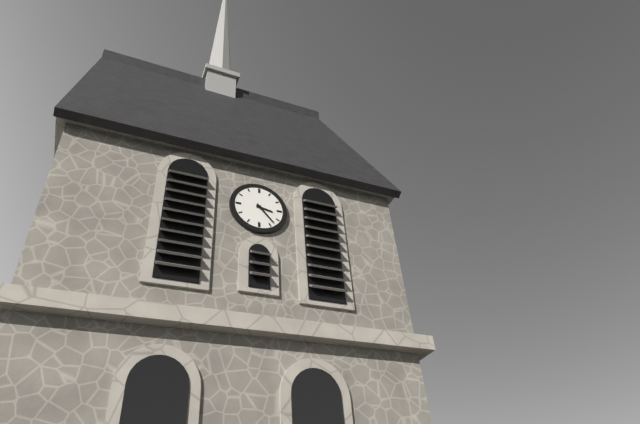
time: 3:23
